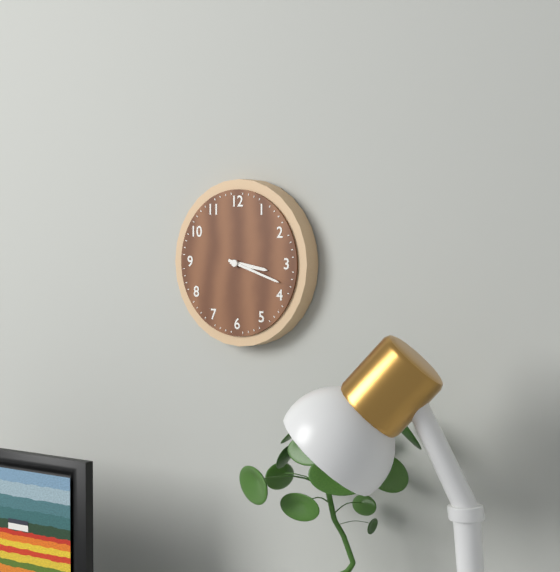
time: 3:18
